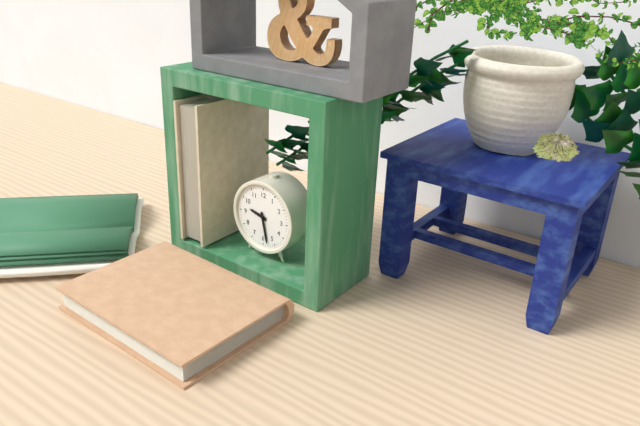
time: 9:28
